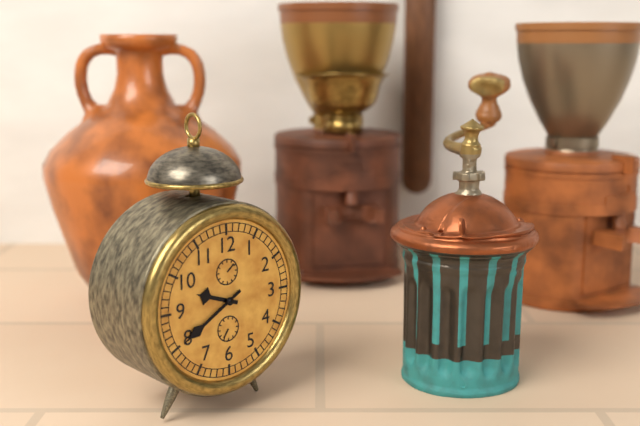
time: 9:40
